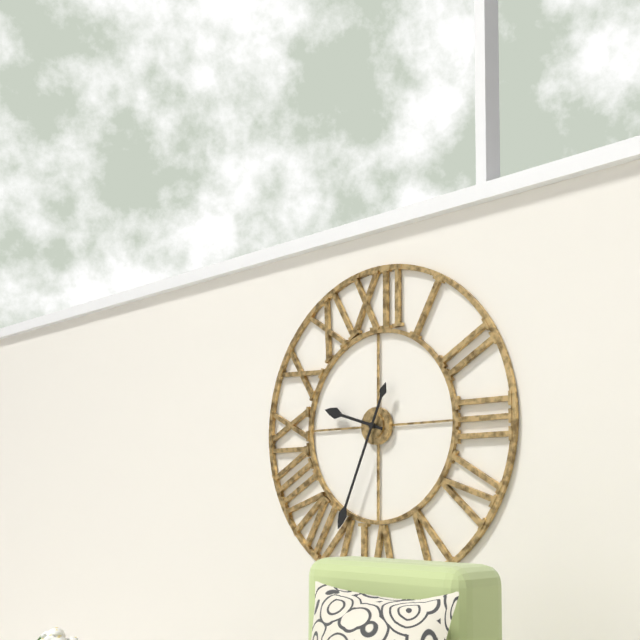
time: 9:34
